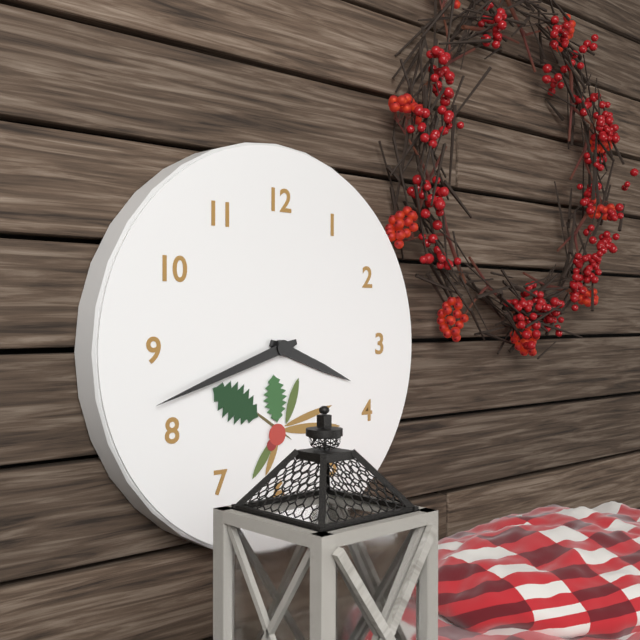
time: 3:42
